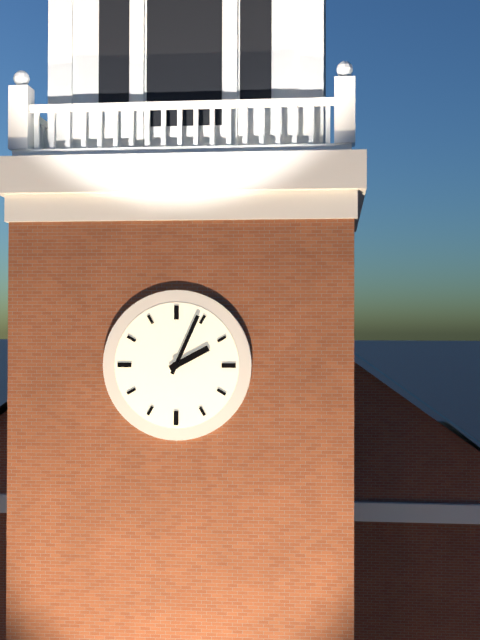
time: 2:04
